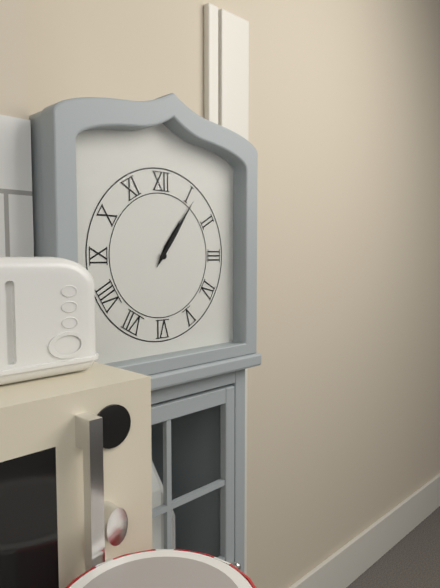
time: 1:06
